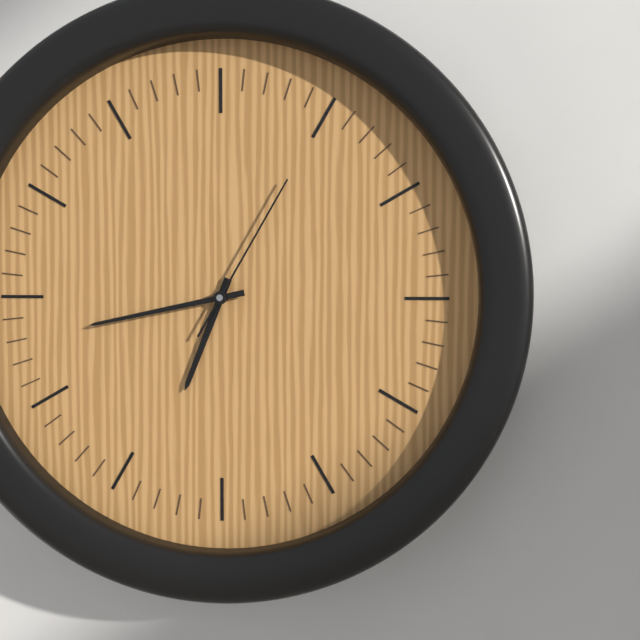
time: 6:43:05
